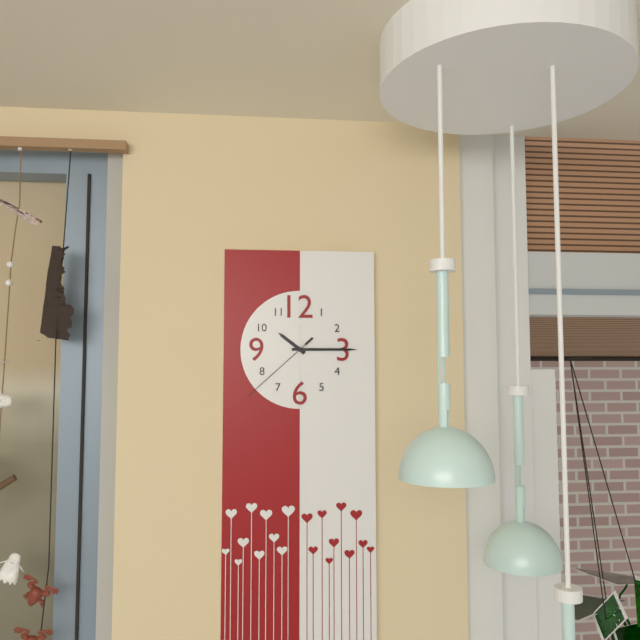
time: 10:15:38
